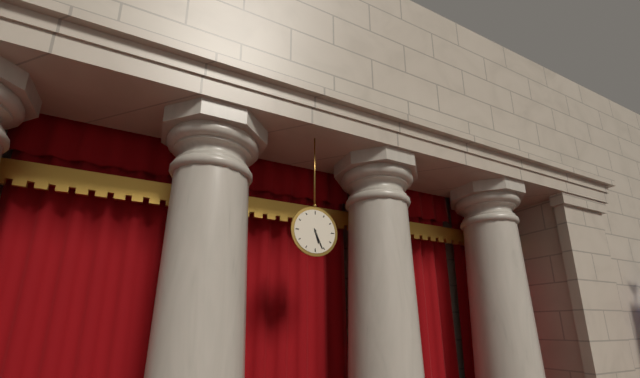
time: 5:26
